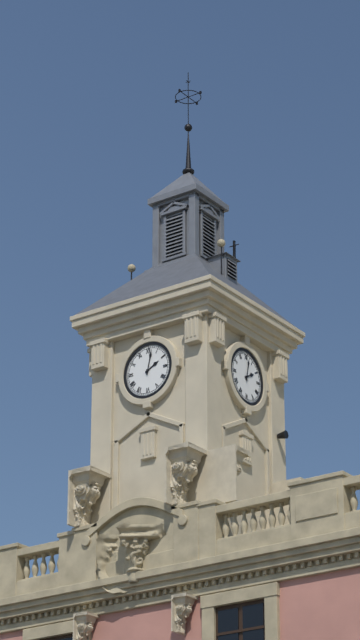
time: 2:02
